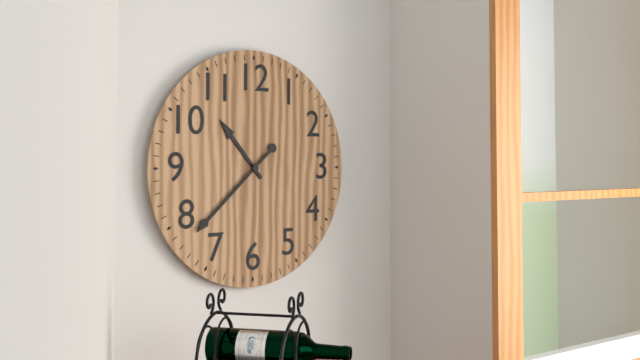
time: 10:38
